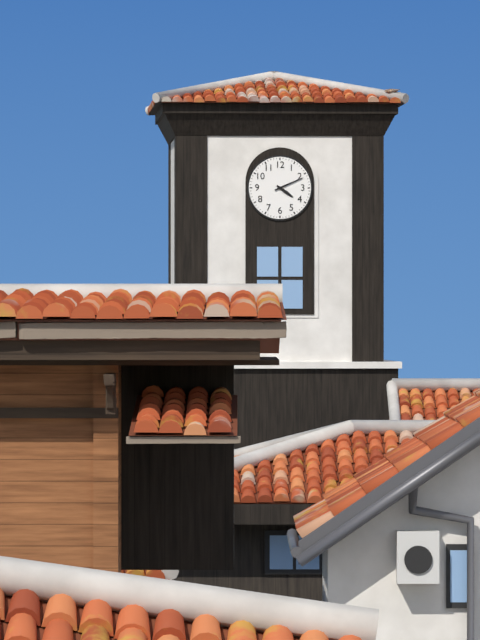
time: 4:11
